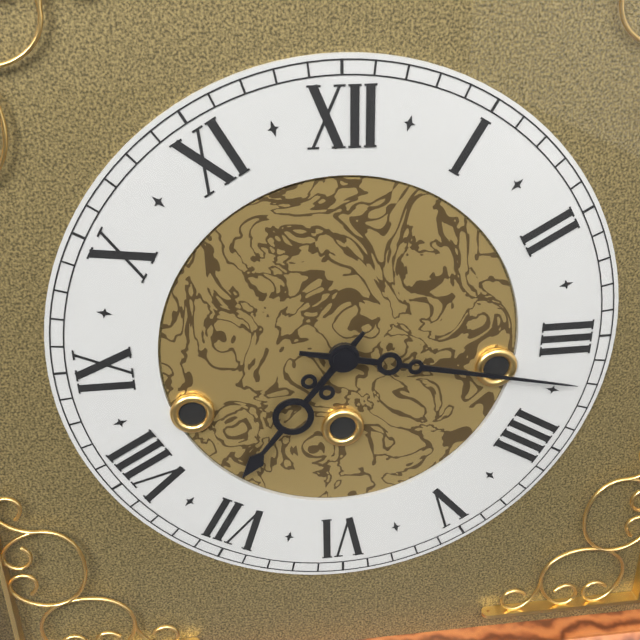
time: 7:17
